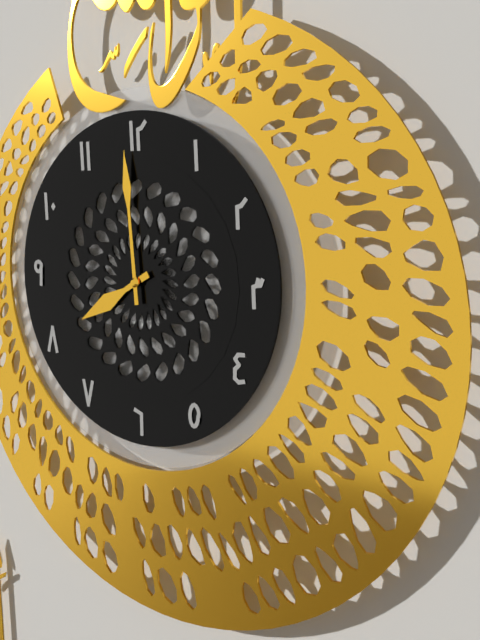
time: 7:59
